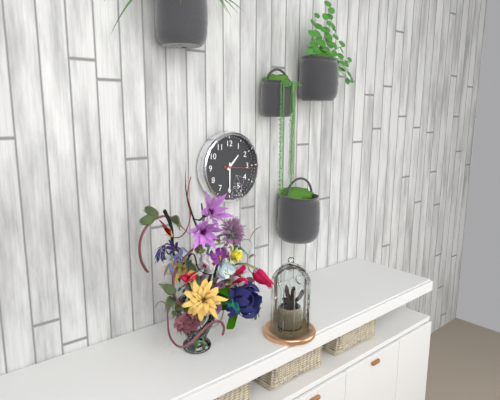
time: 1:30
